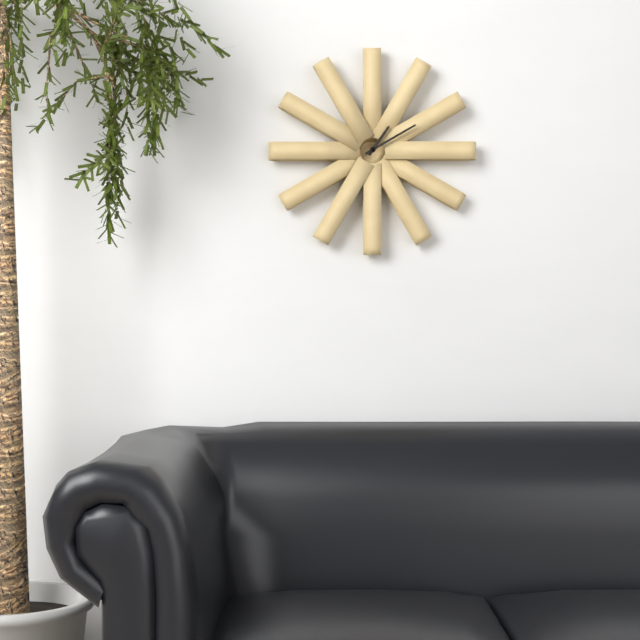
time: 1:10
